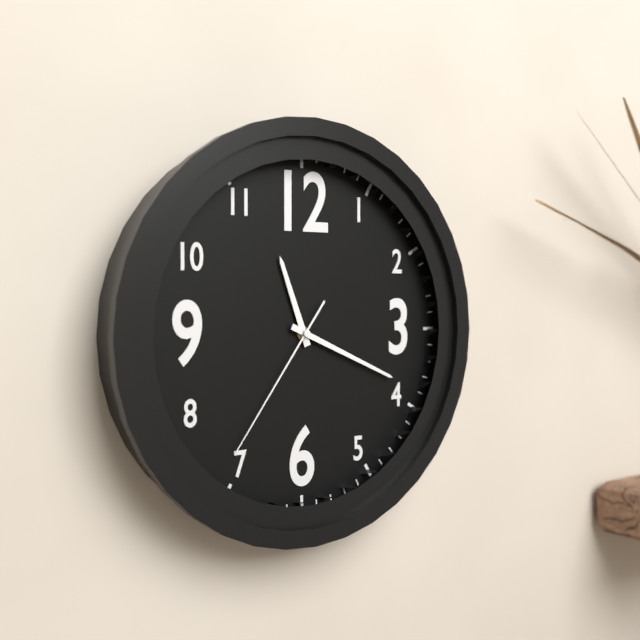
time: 11:19:36
